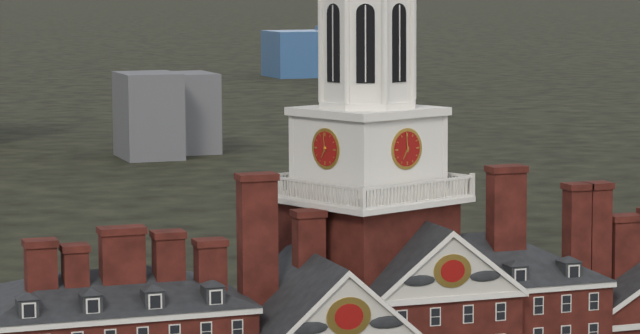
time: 6:59
